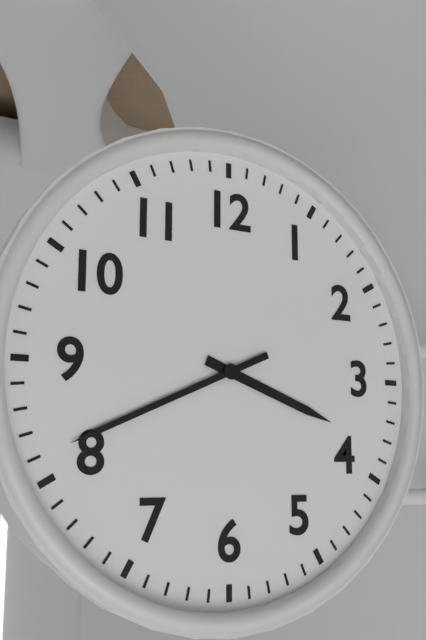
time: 3:41
